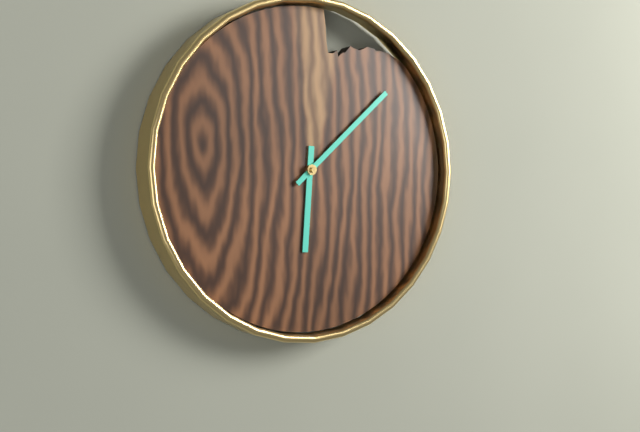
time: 6:08
